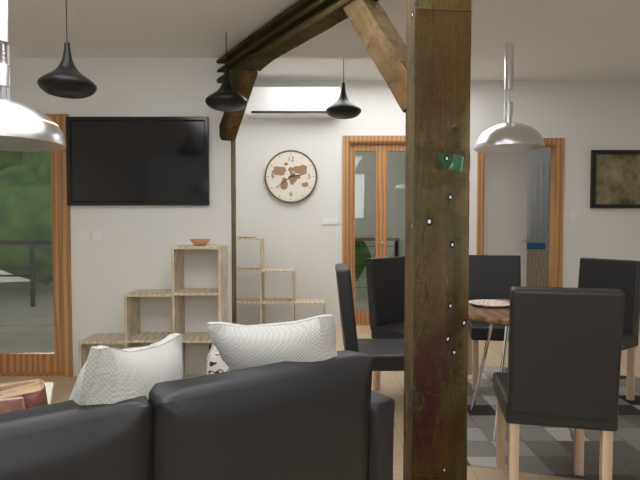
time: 2:39
